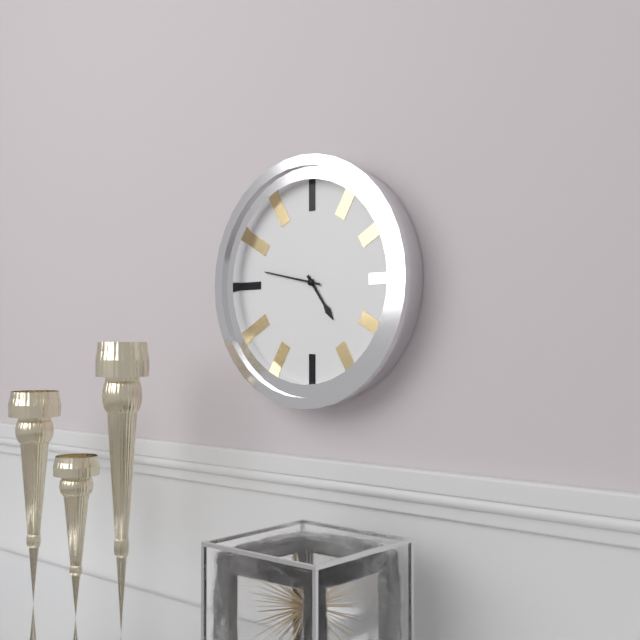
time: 4:47
